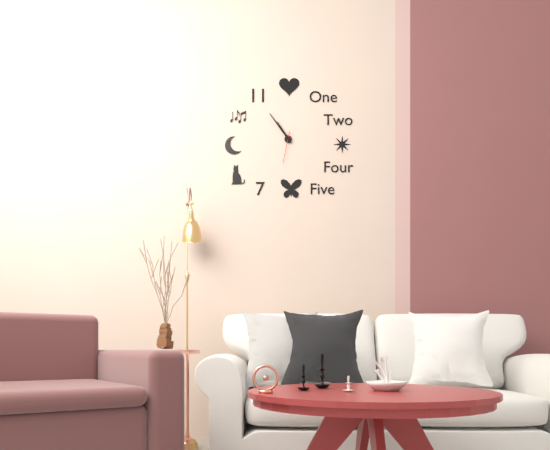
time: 10:54
